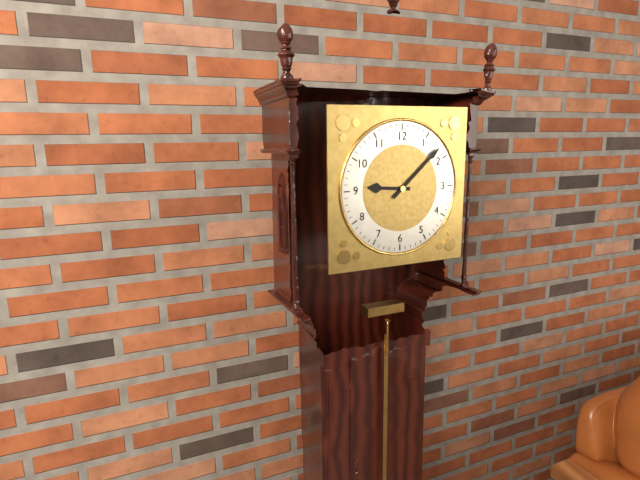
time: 9:08
